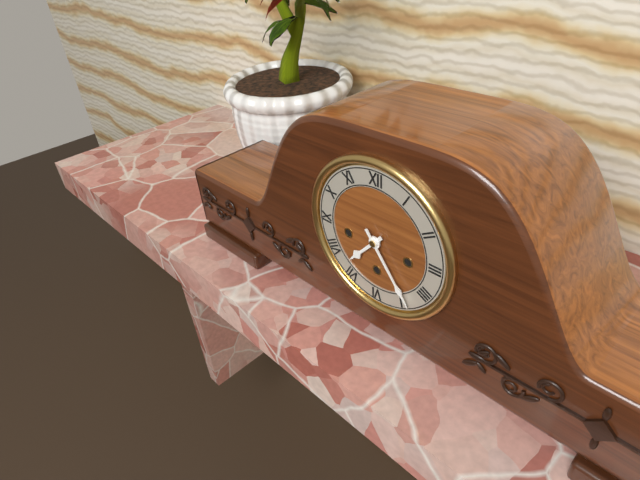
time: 7:24
